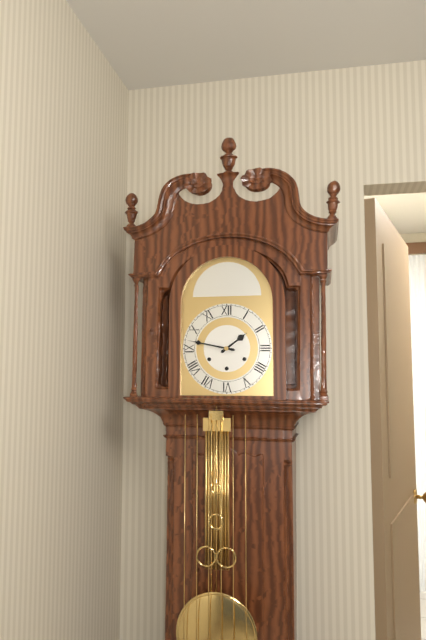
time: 1:47
